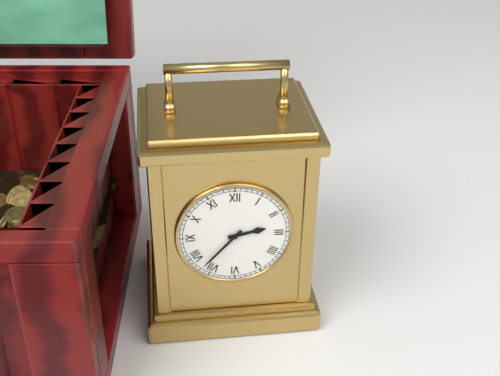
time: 2:37
